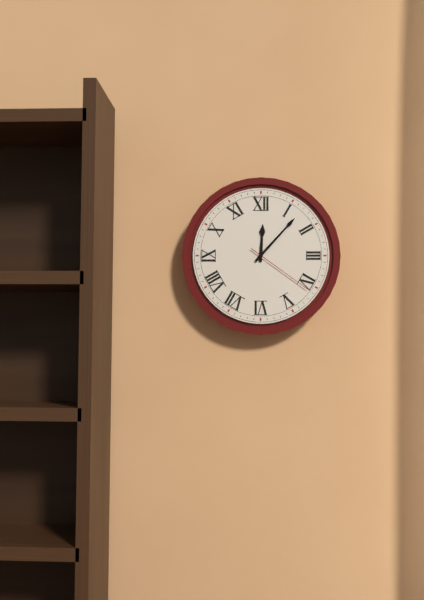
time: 12:07:21
